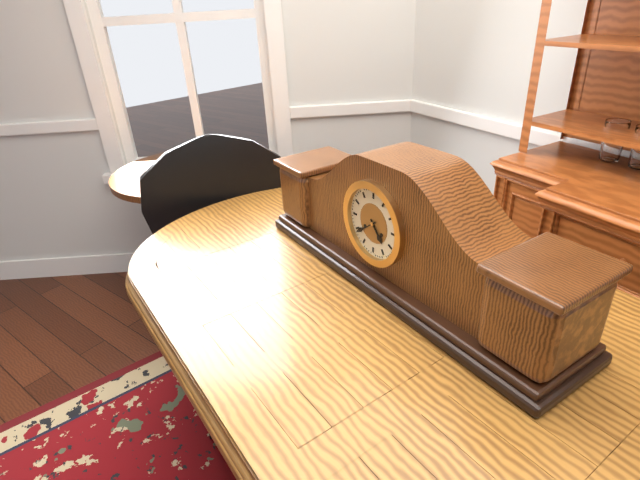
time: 4:39
